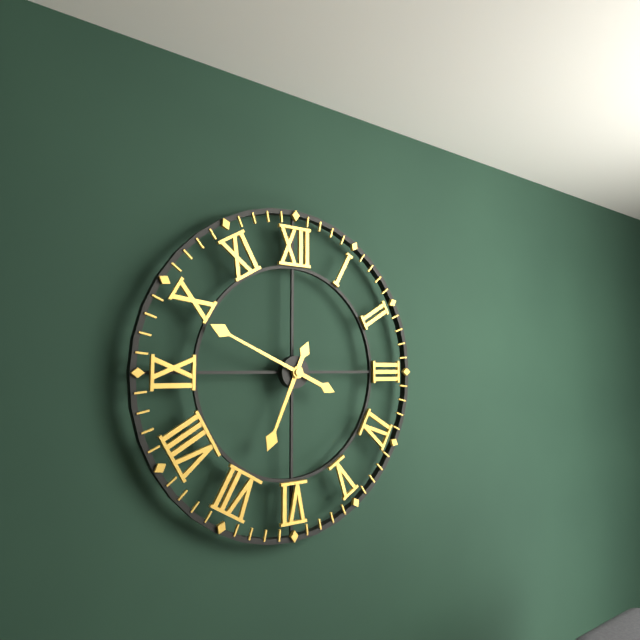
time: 6:49
